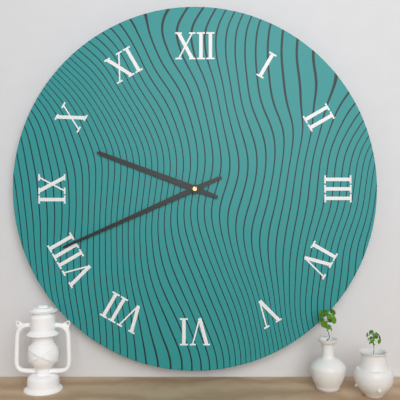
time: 9:41
